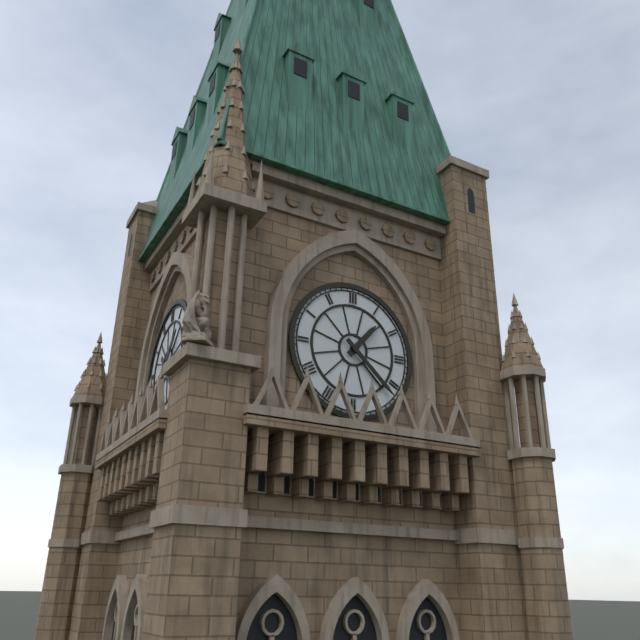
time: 1:22
